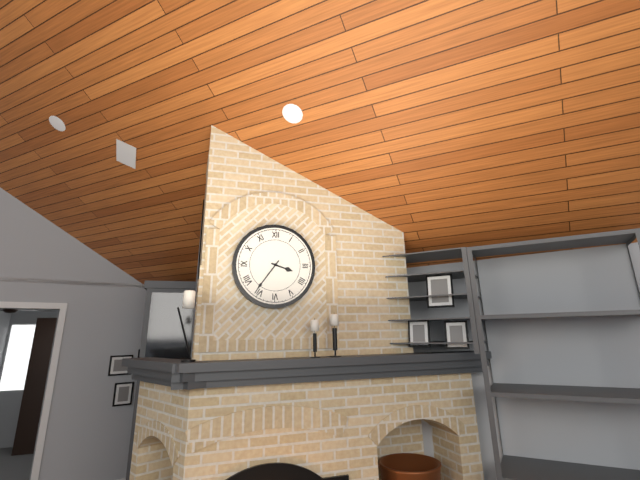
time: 3:36
